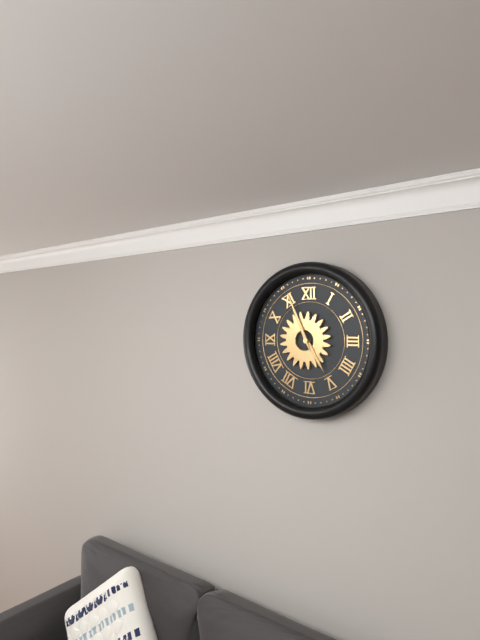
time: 4:56
